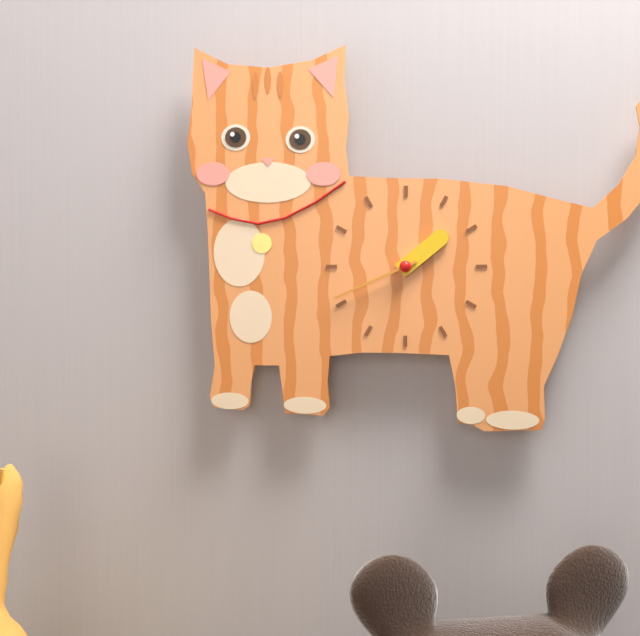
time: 1:41
